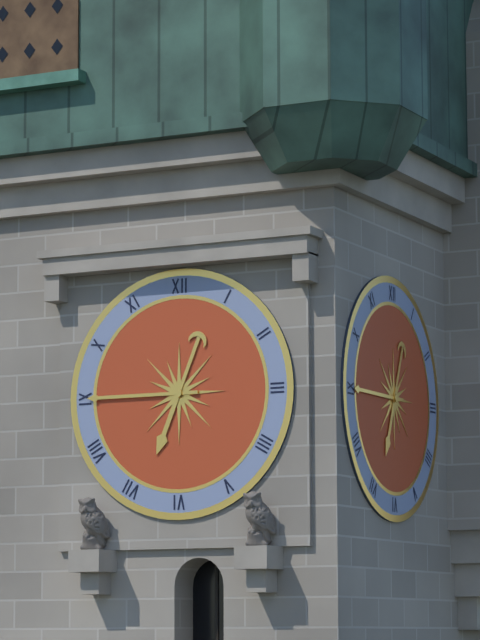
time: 6:45
